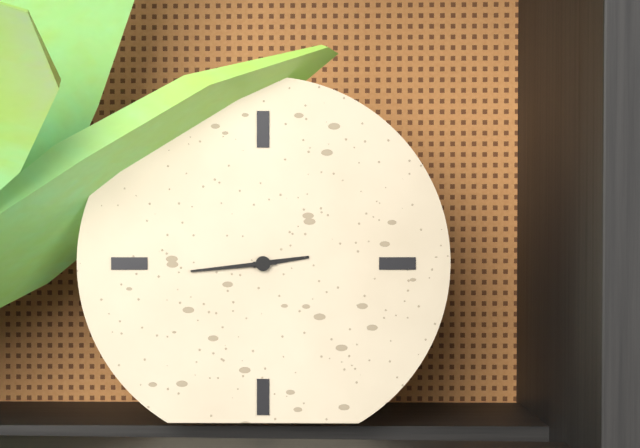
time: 2:44
